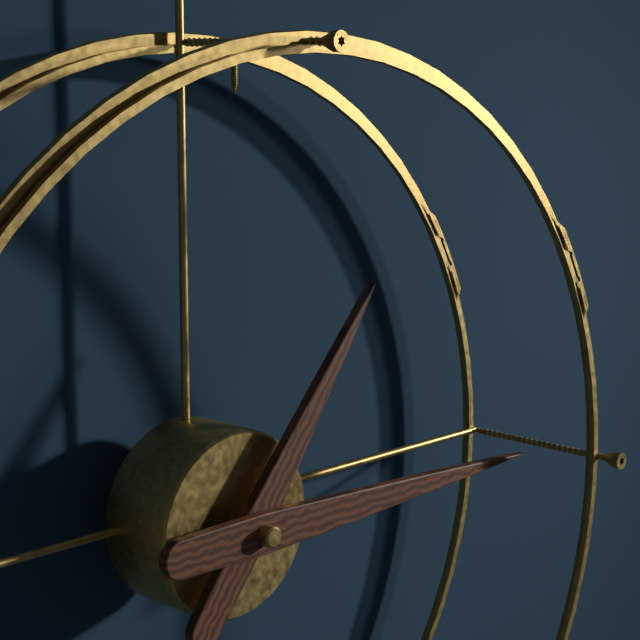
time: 1:15
